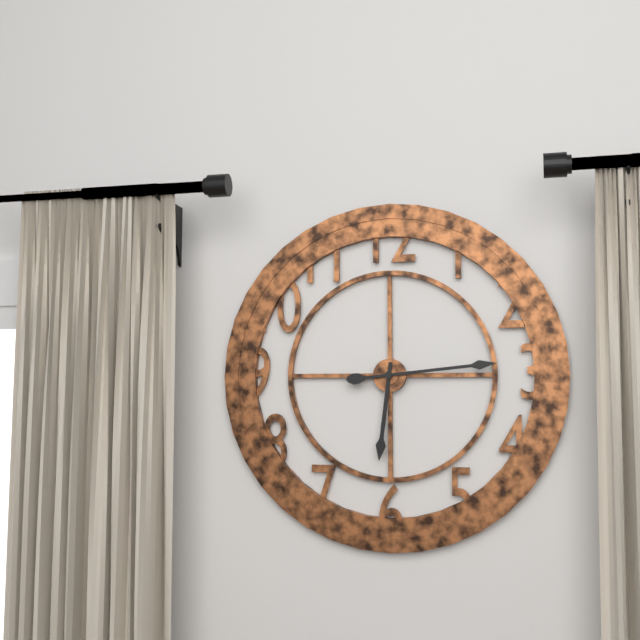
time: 6:14
